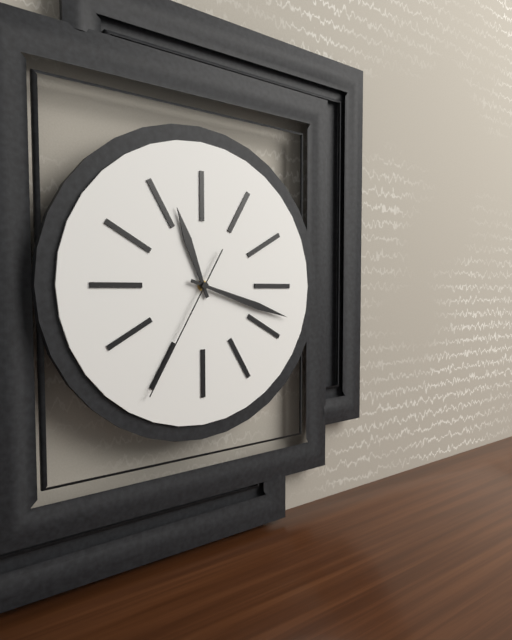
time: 11:18:35
